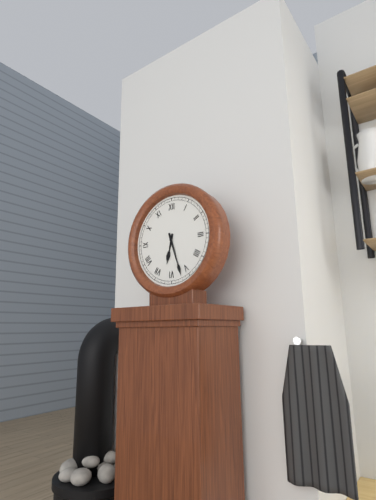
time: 6:27
